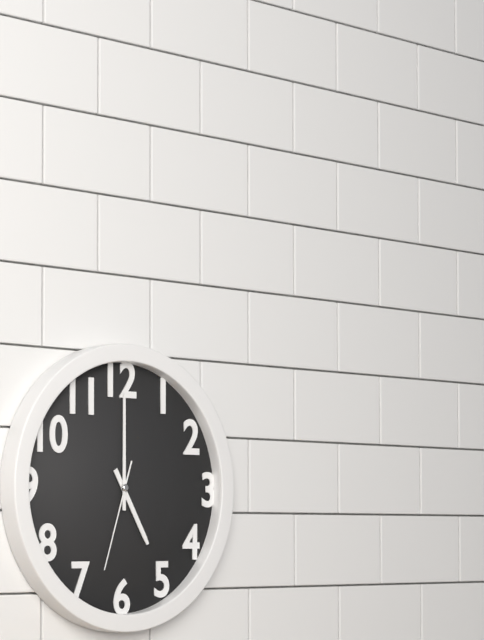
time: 5:00:33
